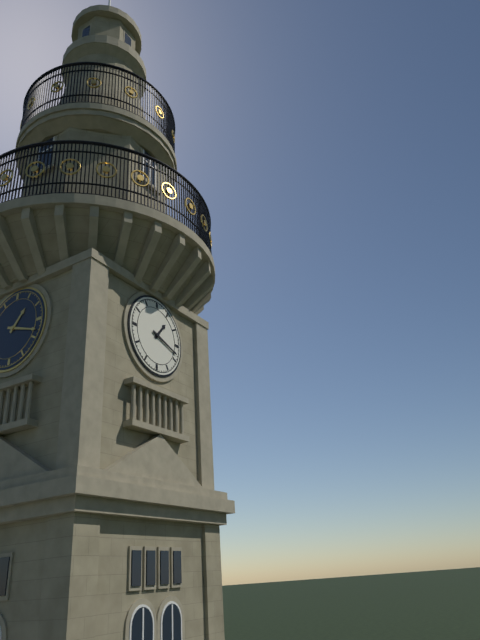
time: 1:18
